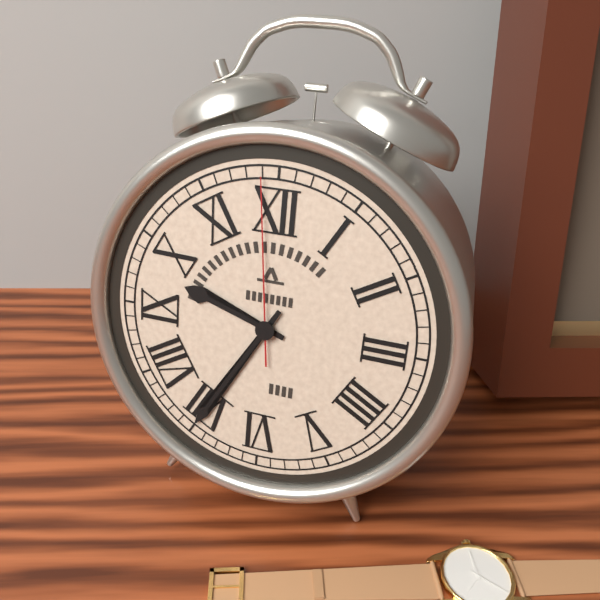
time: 9:35:59
